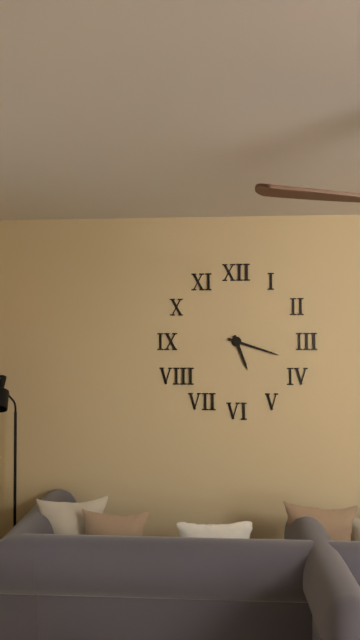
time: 5:18
